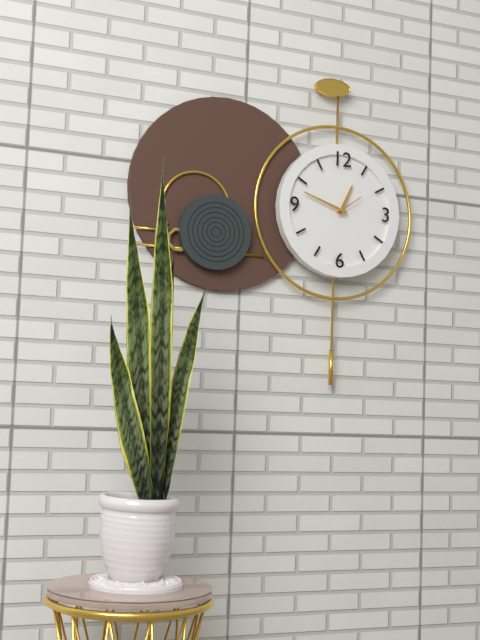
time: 12:48
